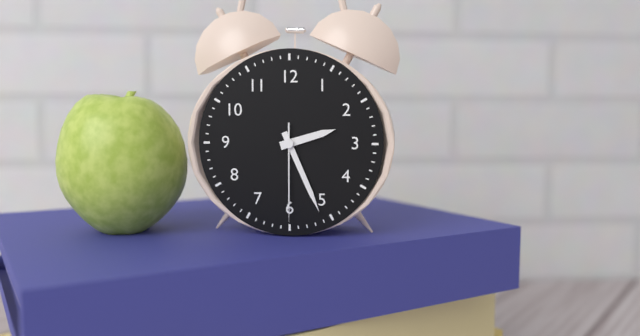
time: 2:26:30
